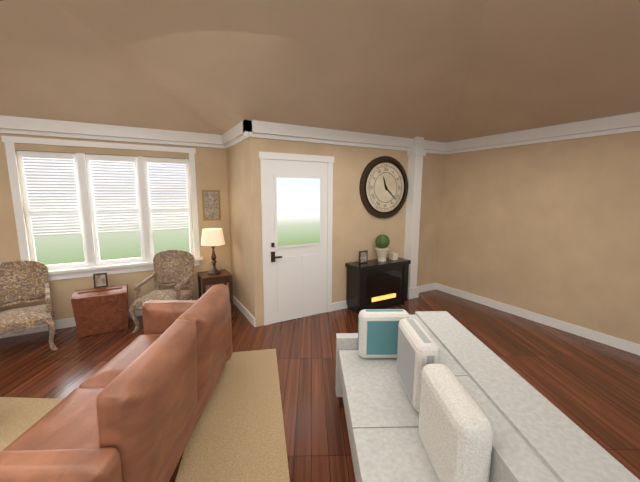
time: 11:22
